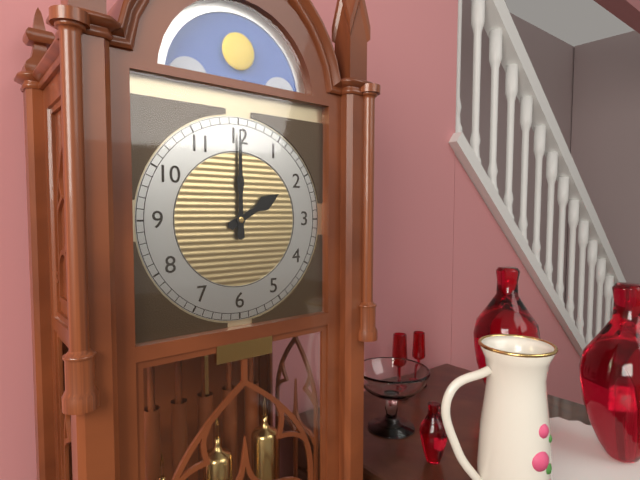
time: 2:00
